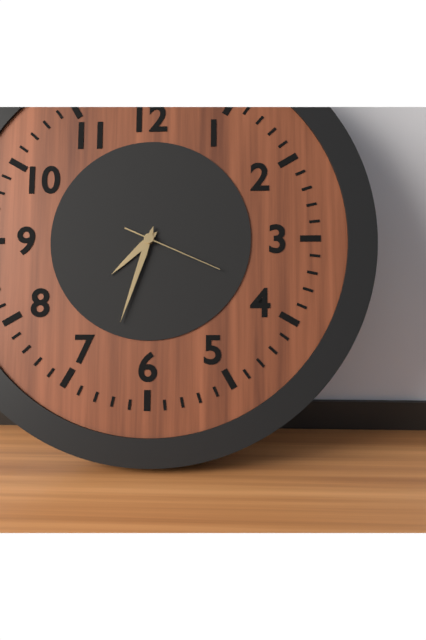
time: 7:33:19
